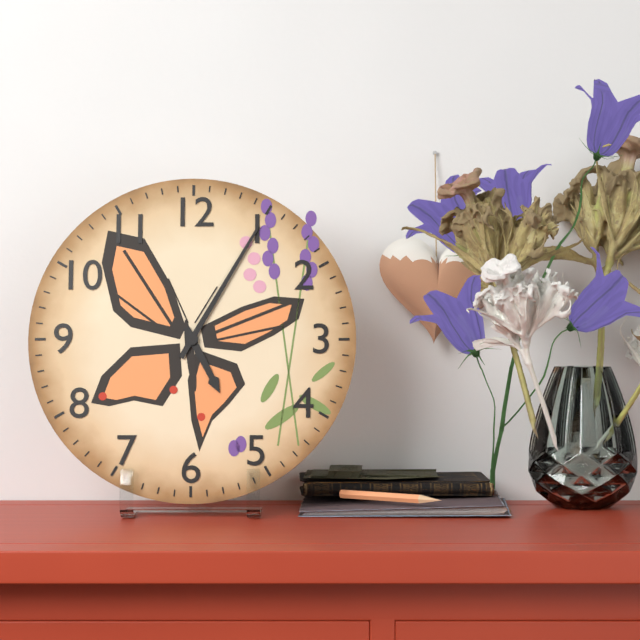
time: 5:05
